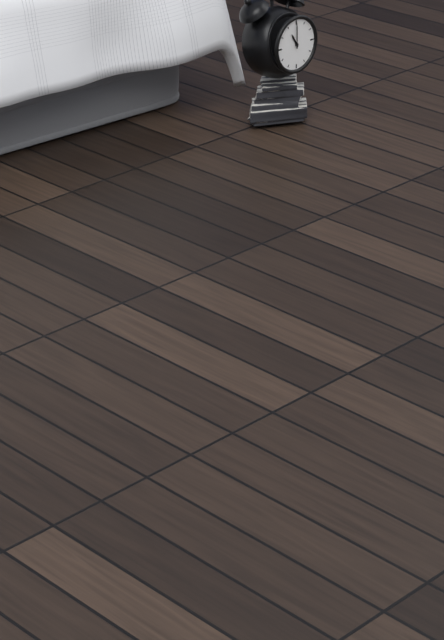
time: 11:00
